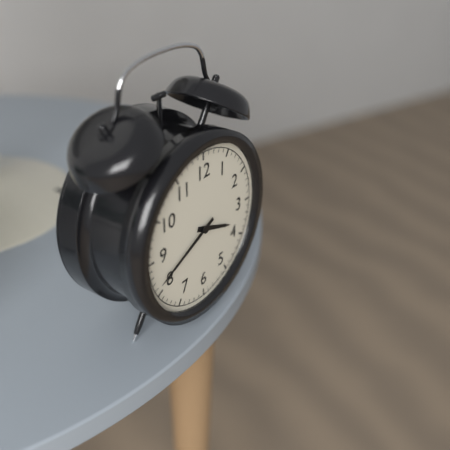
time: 3:41
